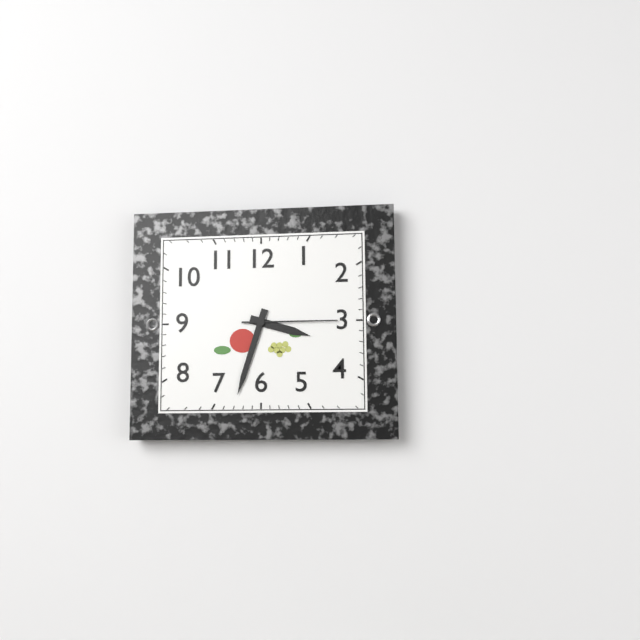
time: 3:33:15
